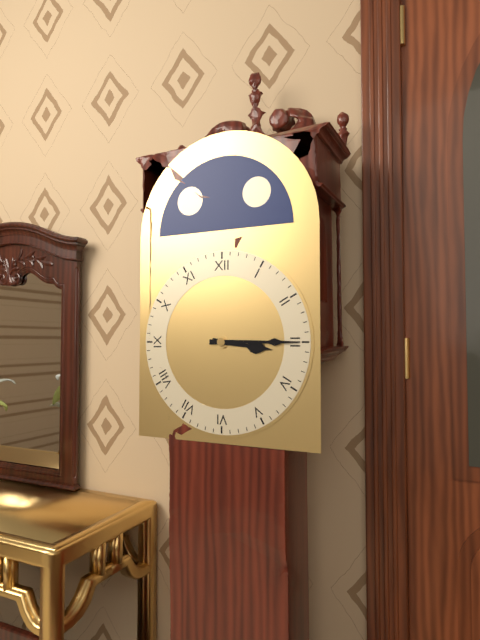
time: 3:15
